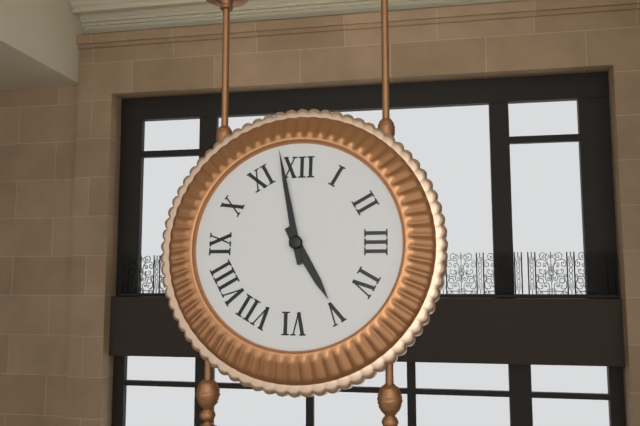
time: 4:58
